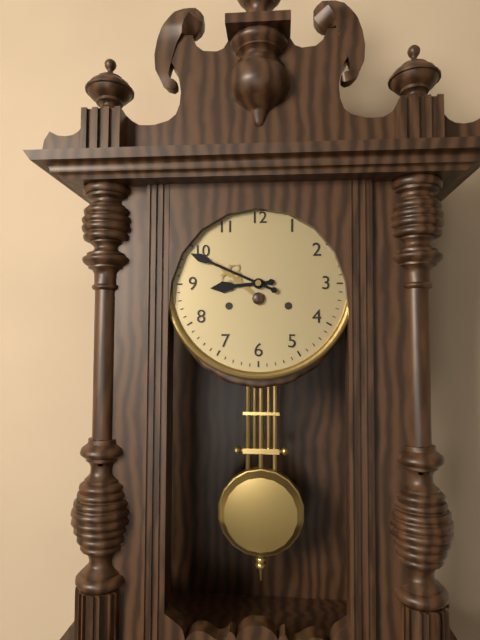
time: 8:49
